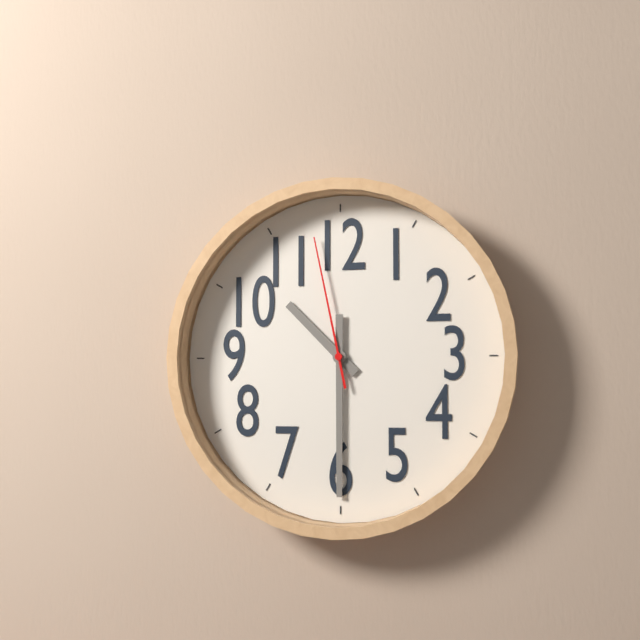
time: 10:30:58
